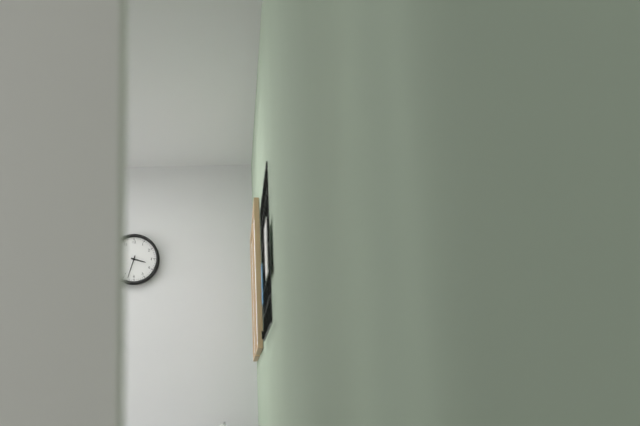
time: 3:33
